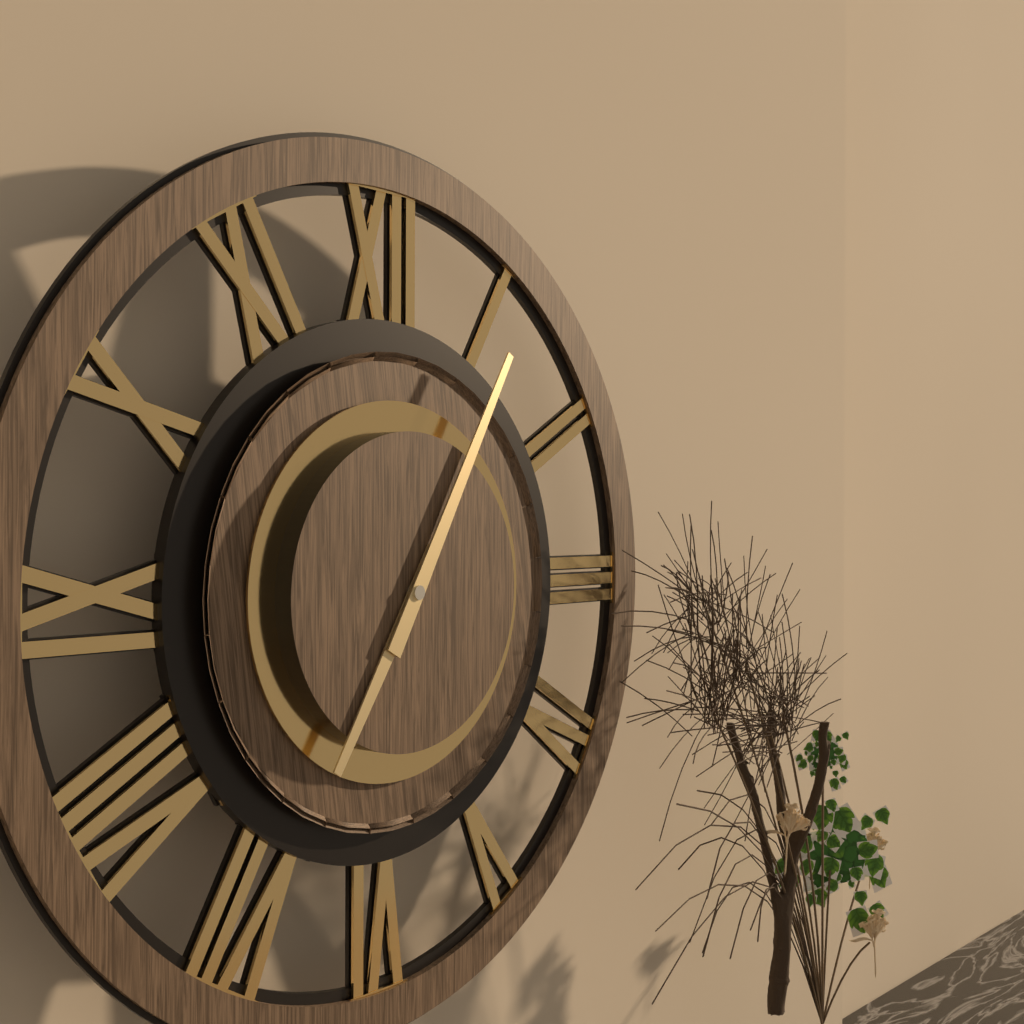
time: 7:05
